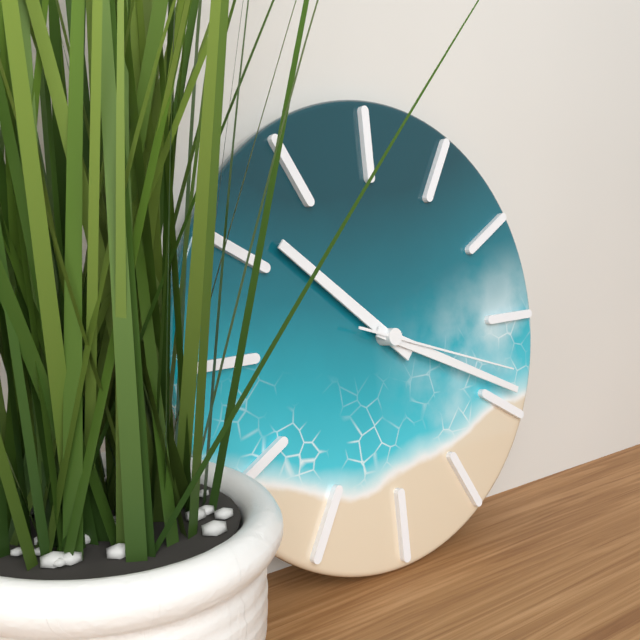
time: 10:19:18
